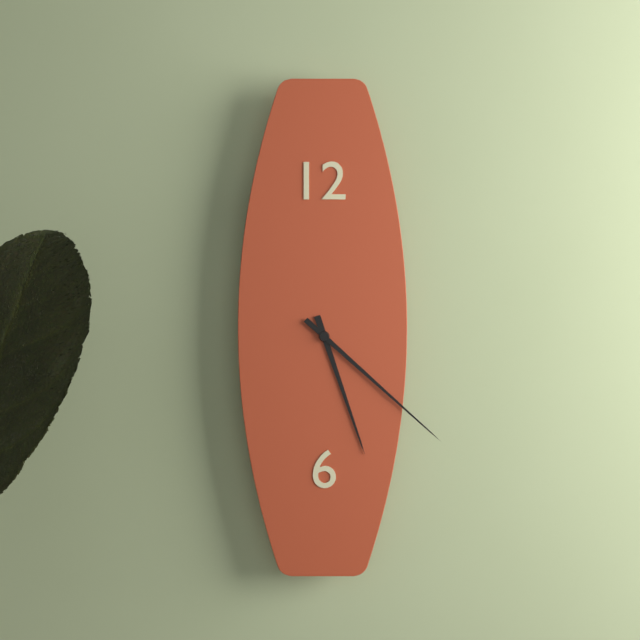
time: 5:22
